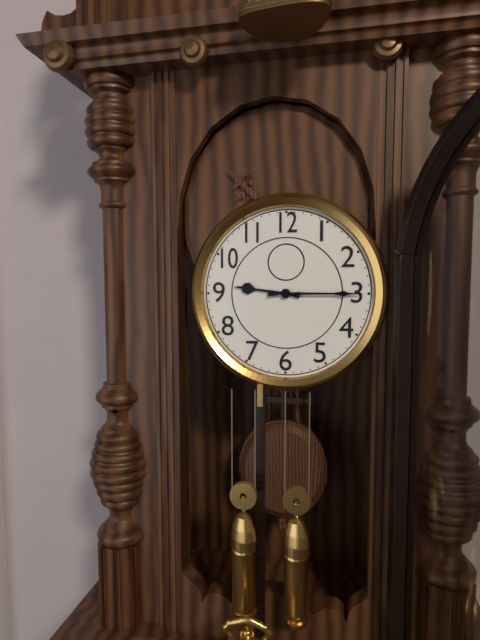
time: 9:15
